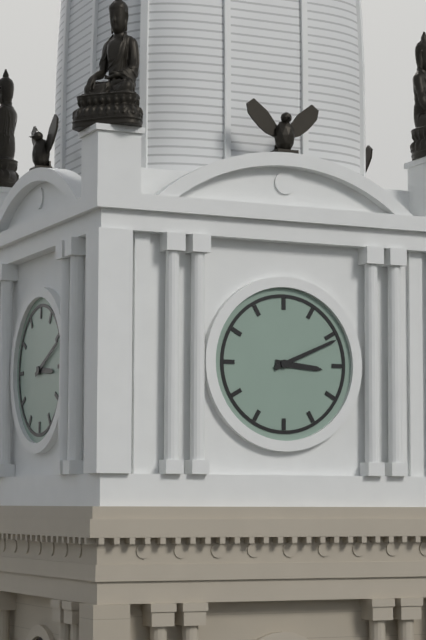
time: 3:11
